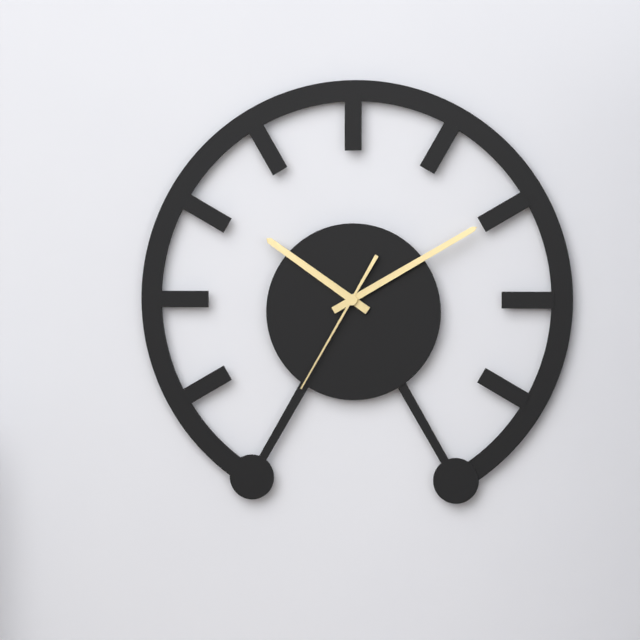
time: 10:10:35
